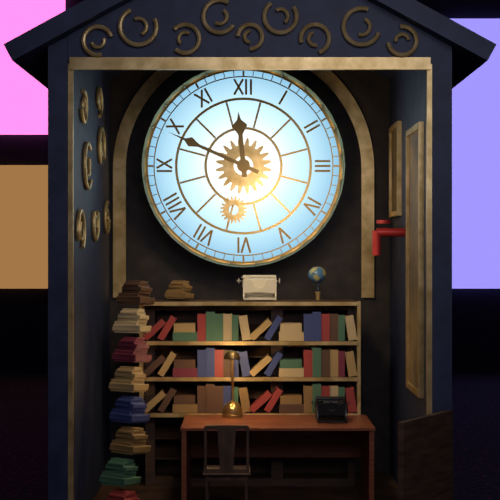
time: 11:49
